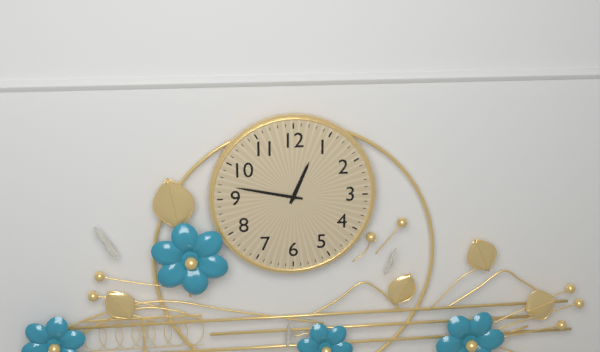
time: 12:47
